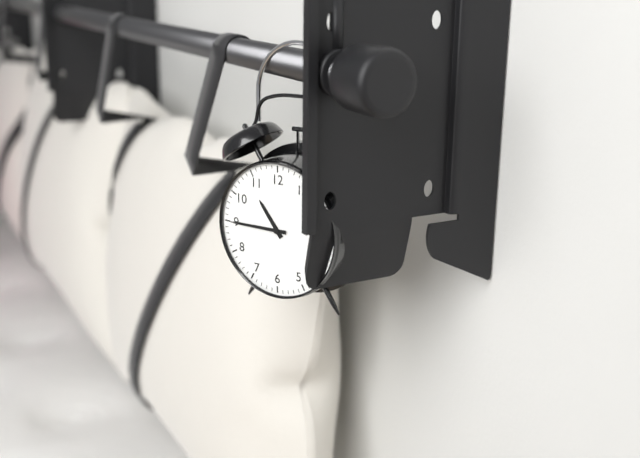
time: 10:45
